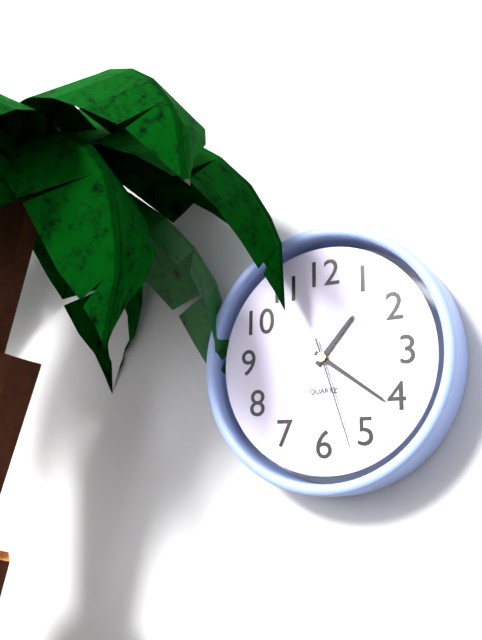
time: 1:21:27
